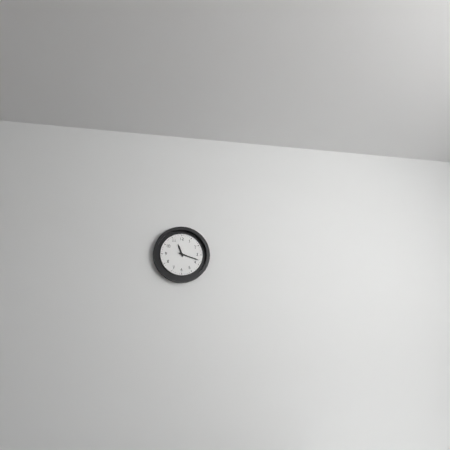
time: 11:18
